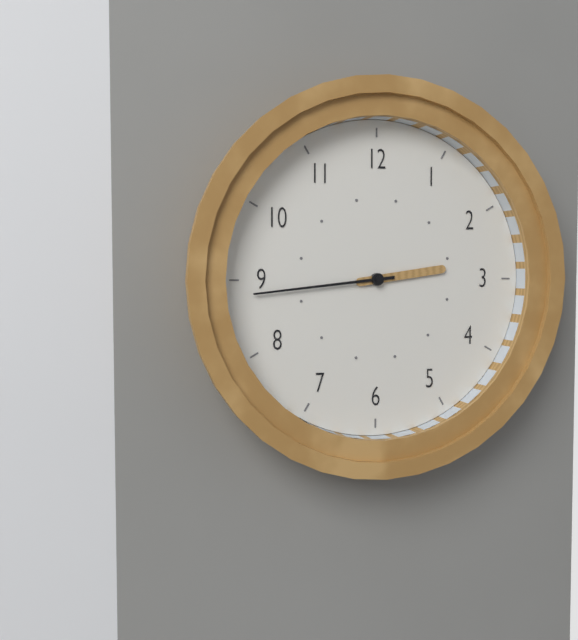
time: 2:44
